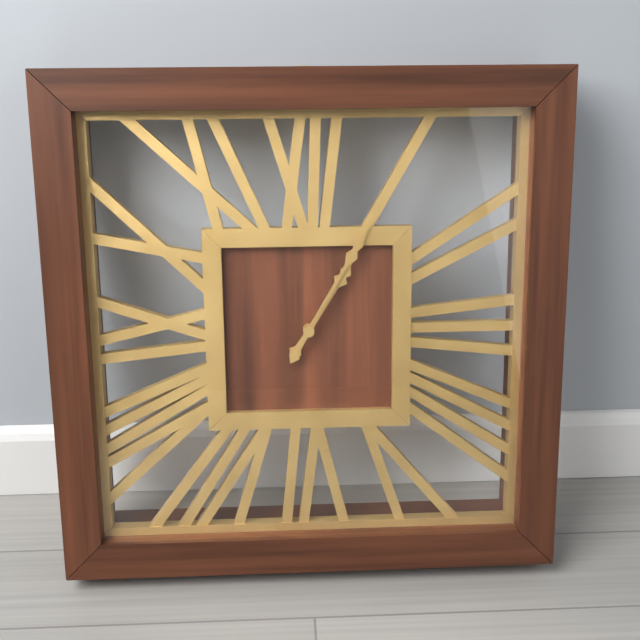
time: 1:05
